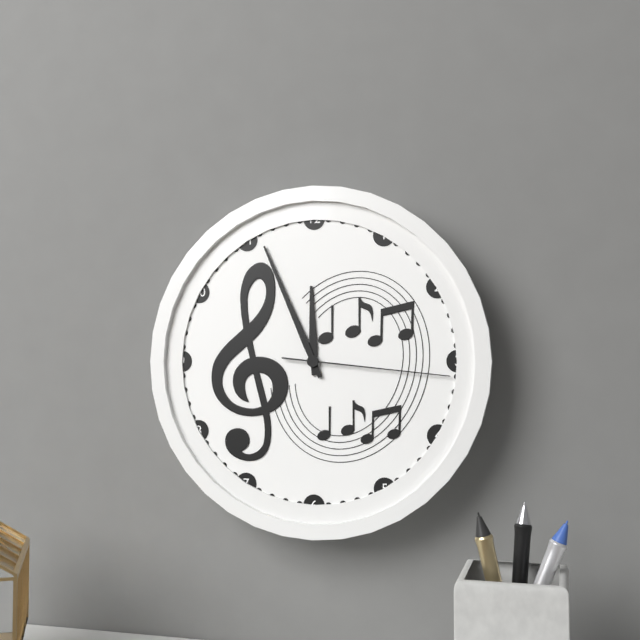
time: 11:56:16
